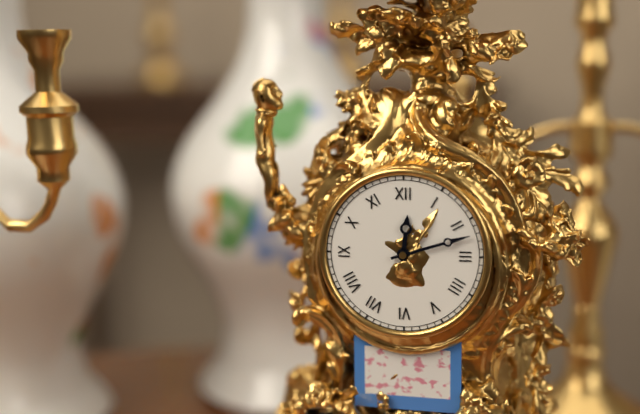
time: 12:12
